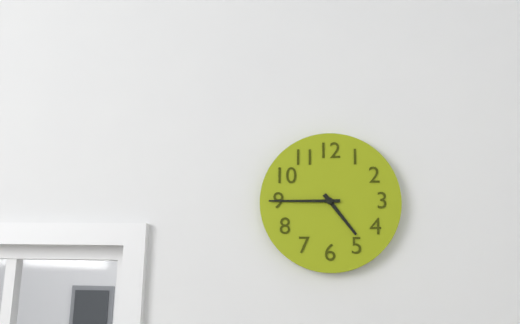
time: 4:45
